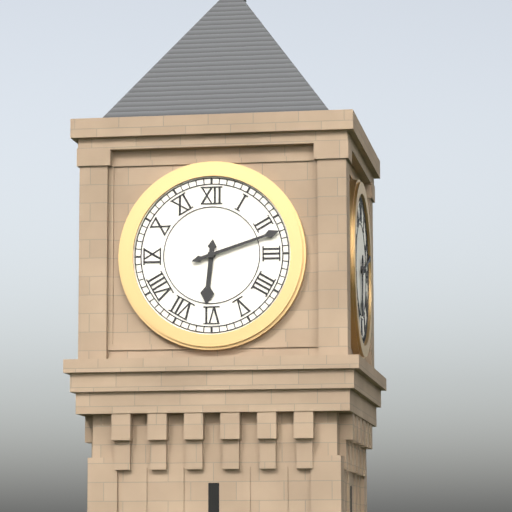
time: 6:12
